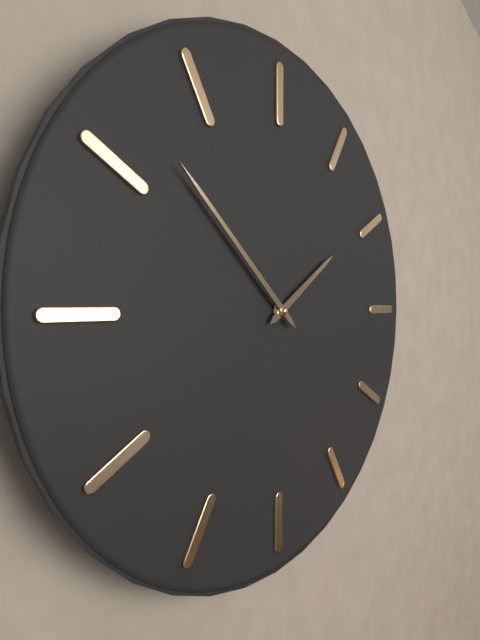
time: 1:52
